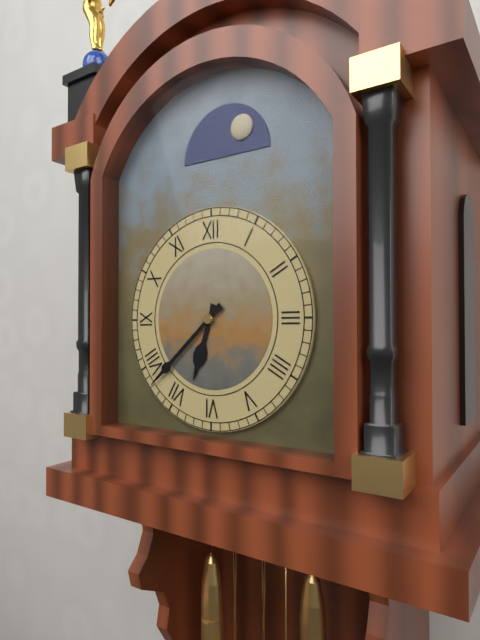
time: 6:38
